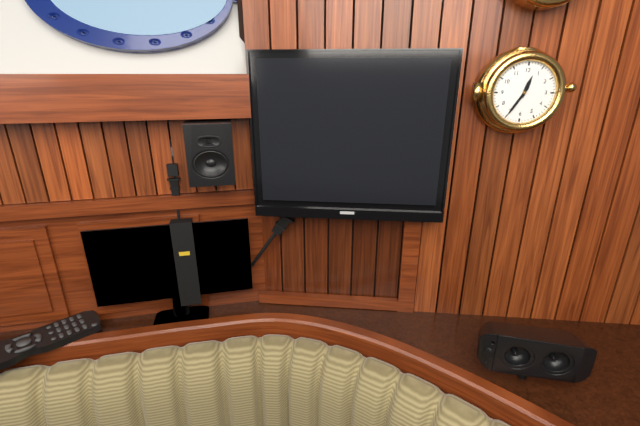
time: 12:35
